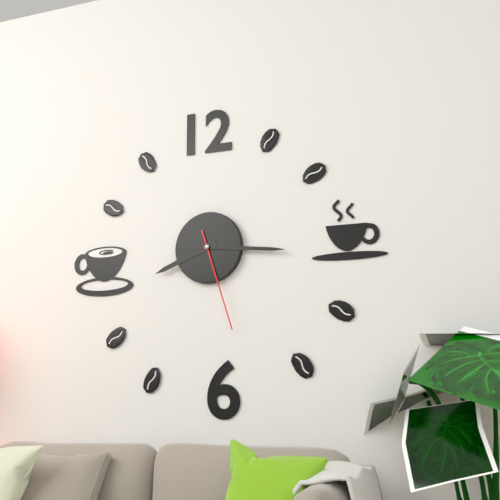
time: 8:16:27
